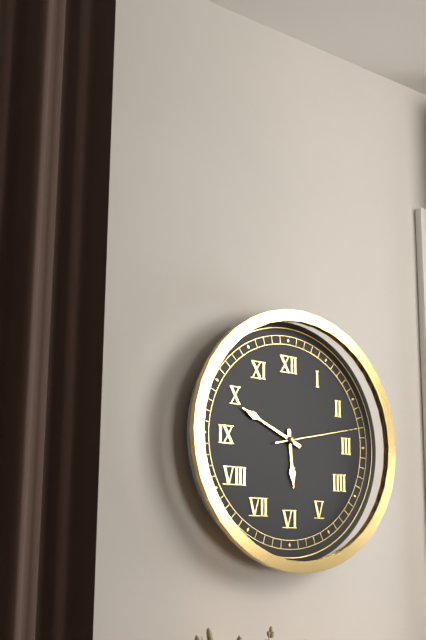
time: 5:49:13
